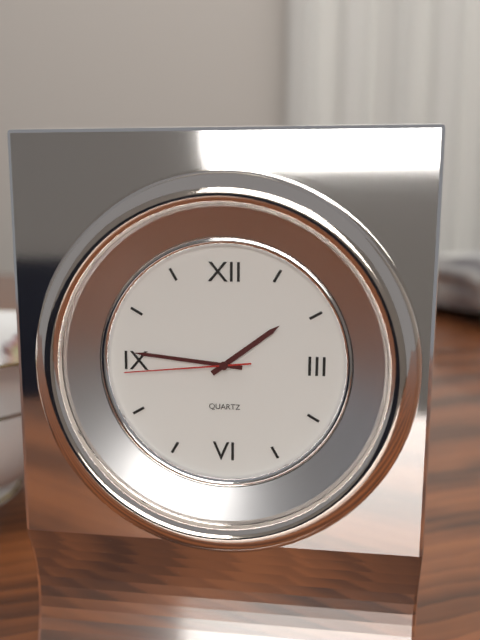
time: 1:46:44
